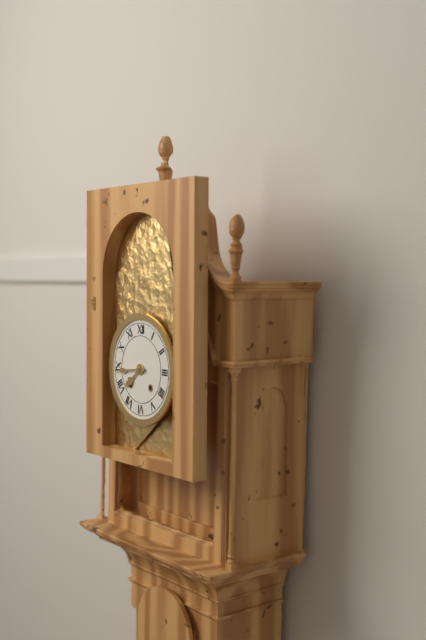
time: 7:44
